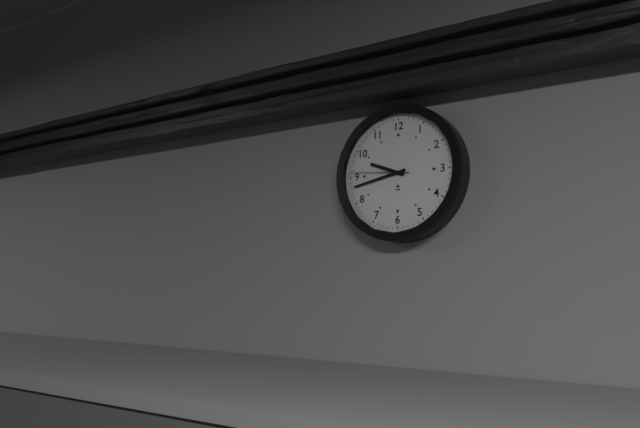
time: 9:43:46
